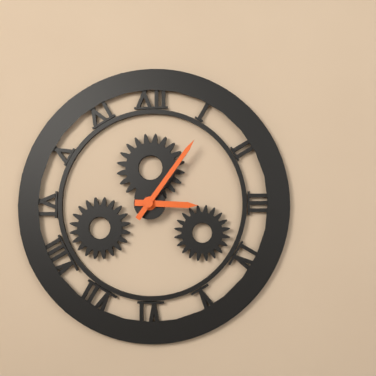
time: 3:06
